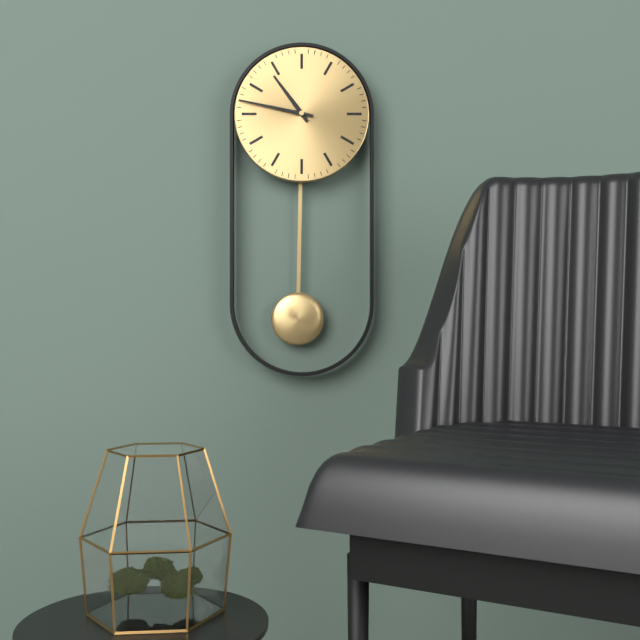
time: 10:47
